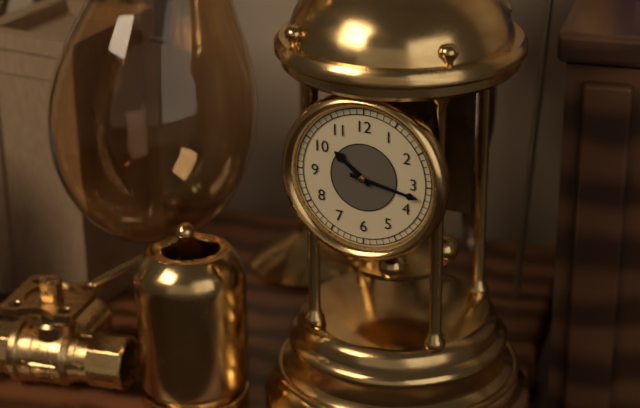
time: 10:17
